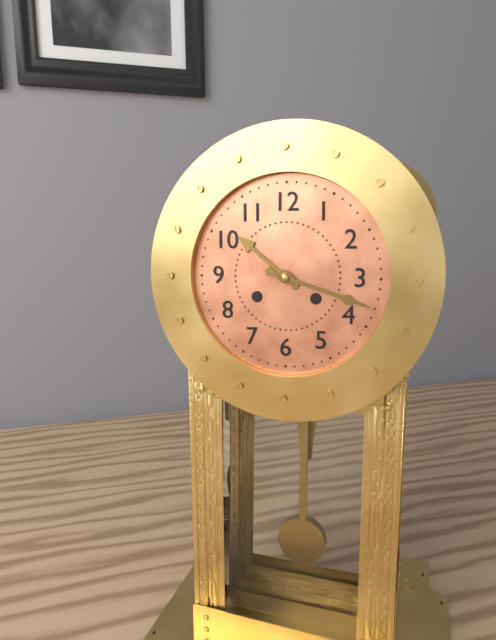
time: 10:18
